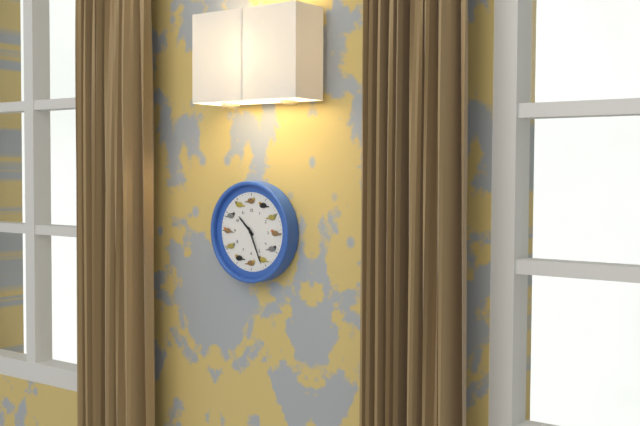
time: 10:26
